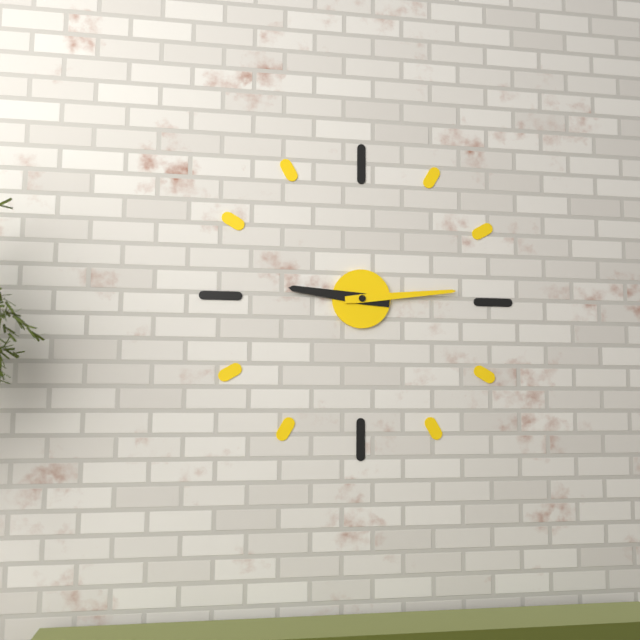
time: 9:14
